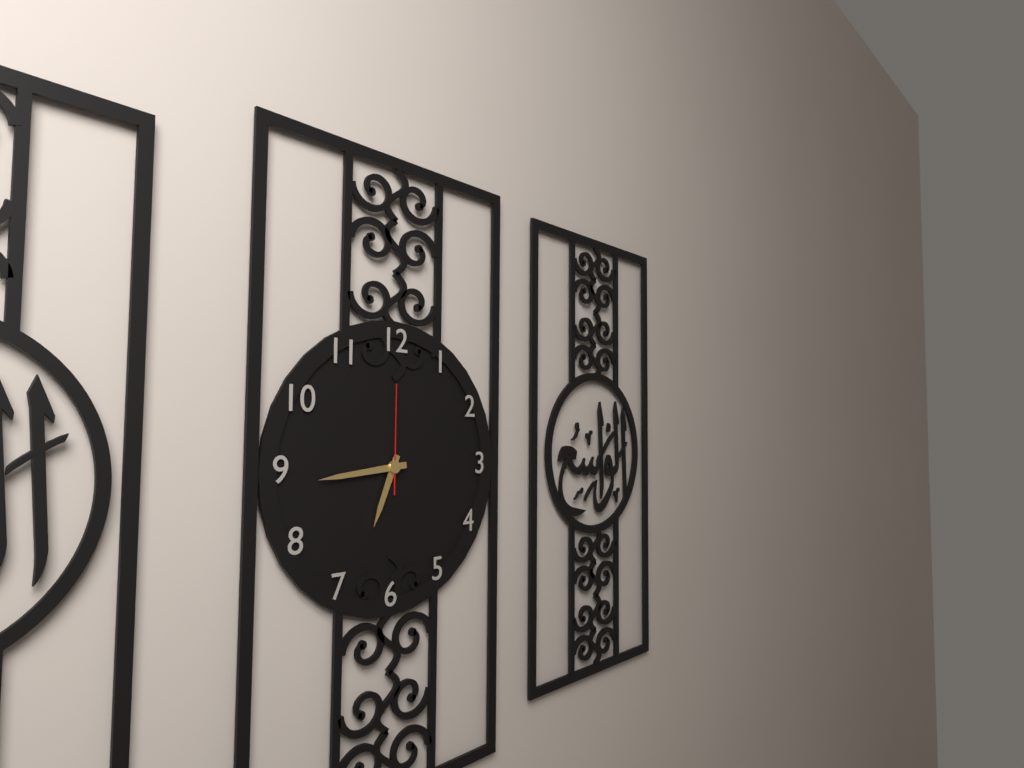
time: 6:44:00
